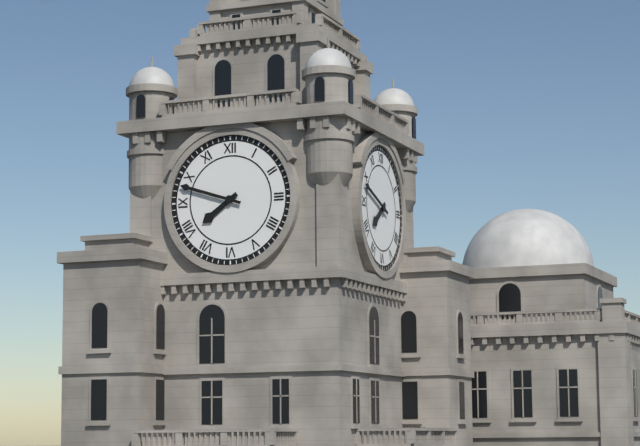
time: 7:48
